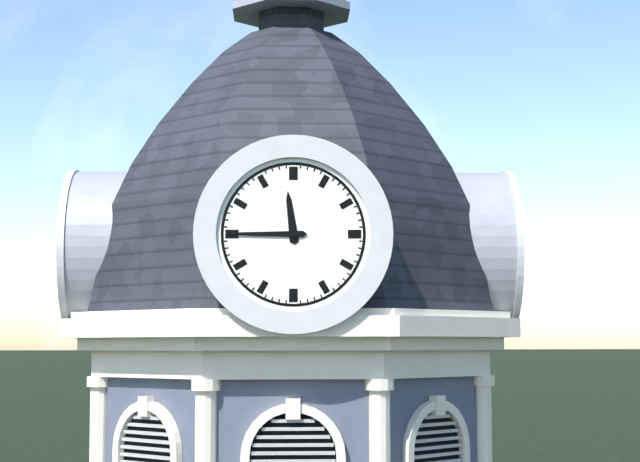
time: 11:45
